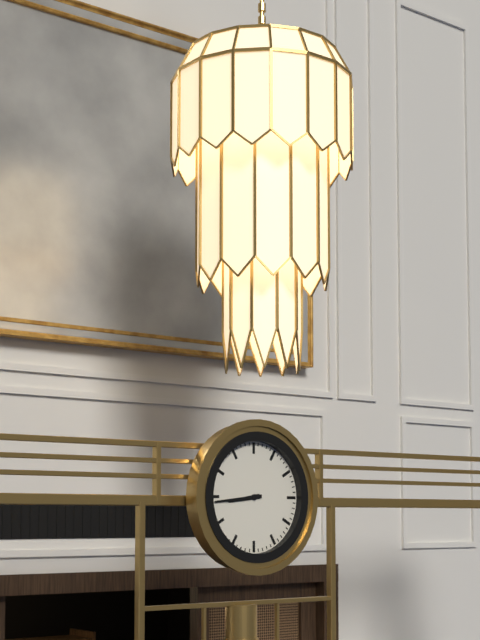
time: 8:44
